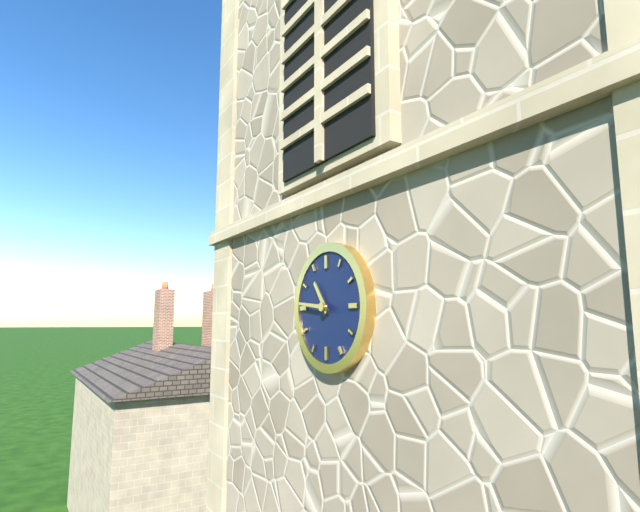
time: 10:46
